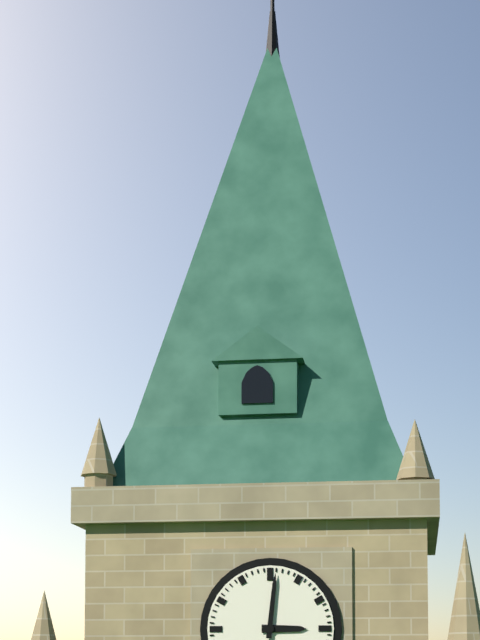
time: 3:01
